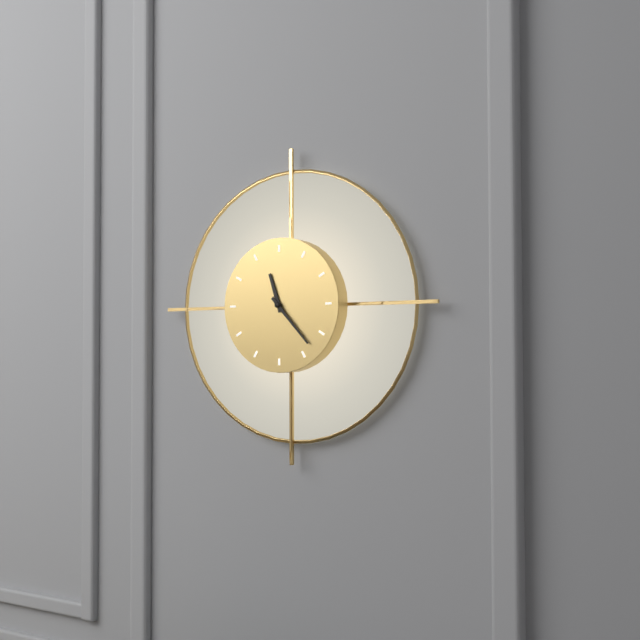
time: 11:23
